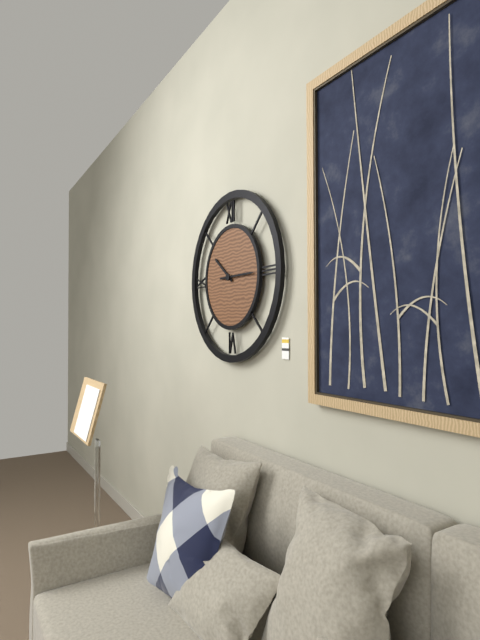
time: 10:15
